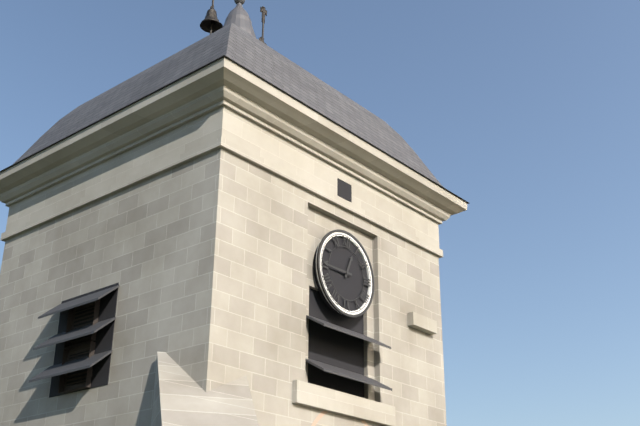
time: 12:45
